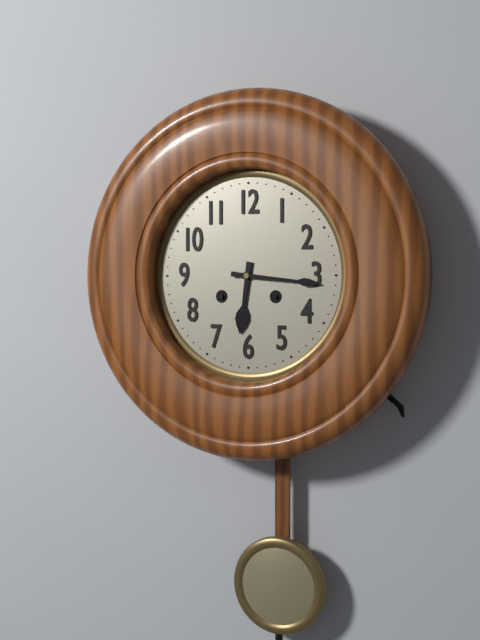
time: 6:16
